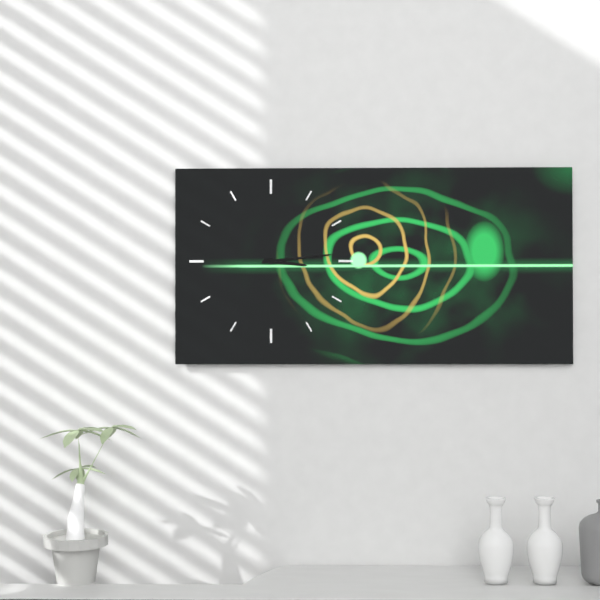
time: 3:14
